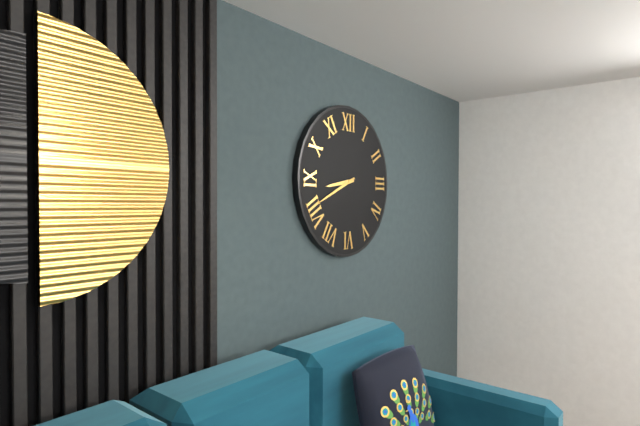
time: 8:41
